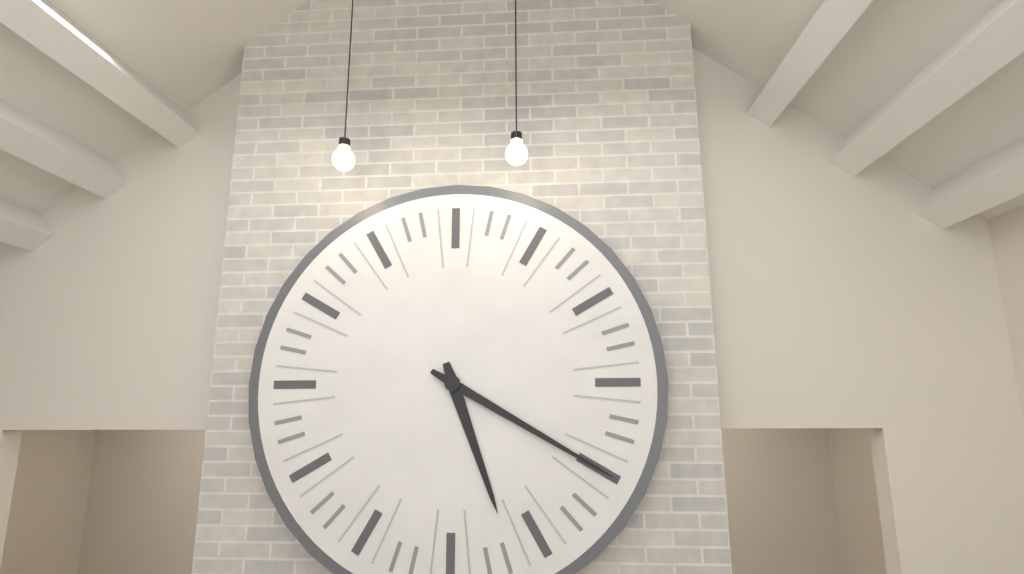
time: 5:20
